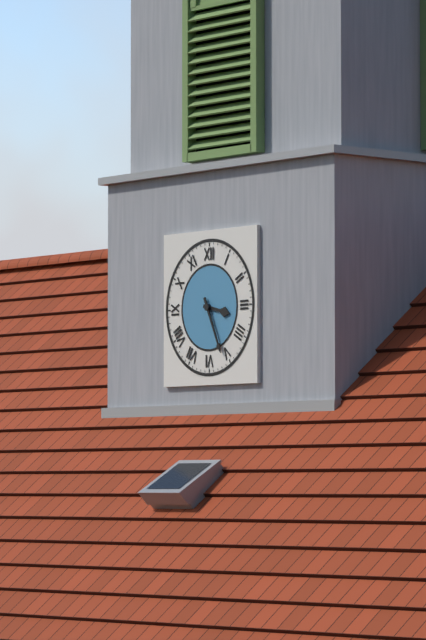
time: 3:26
